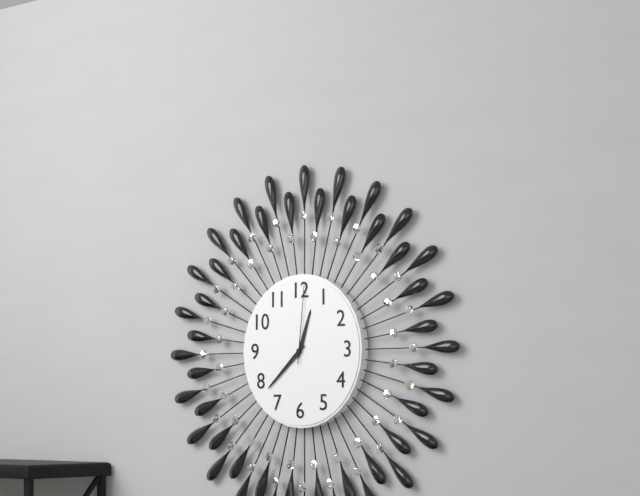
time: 12:38:01
